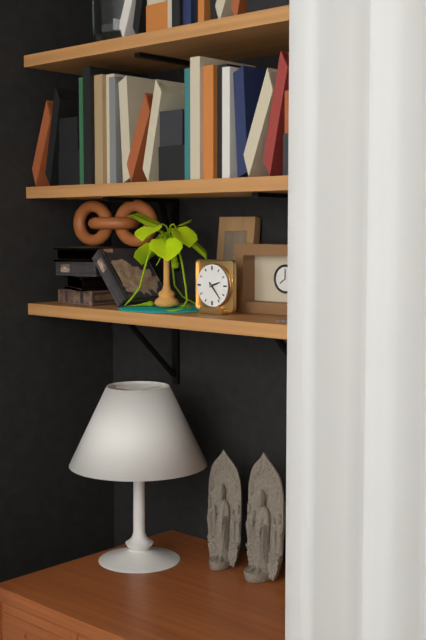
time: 2:23
